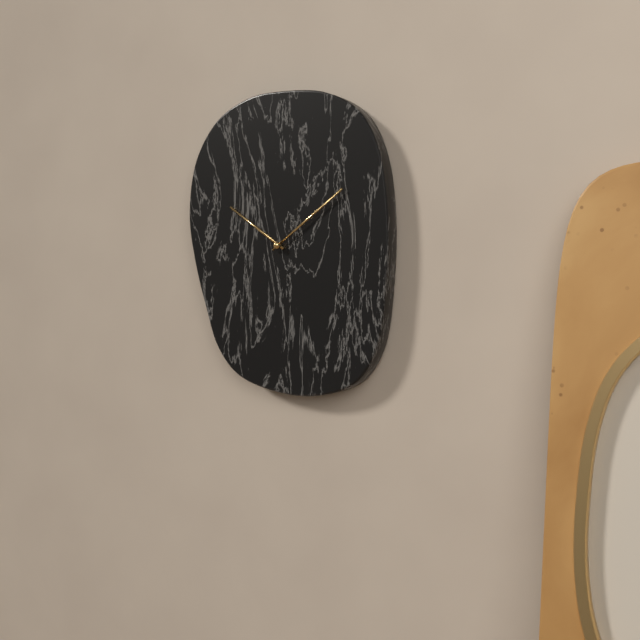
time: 10:09
